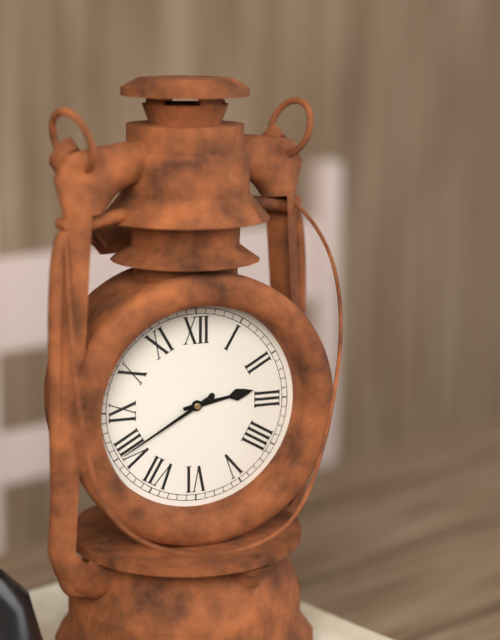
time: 2:40
